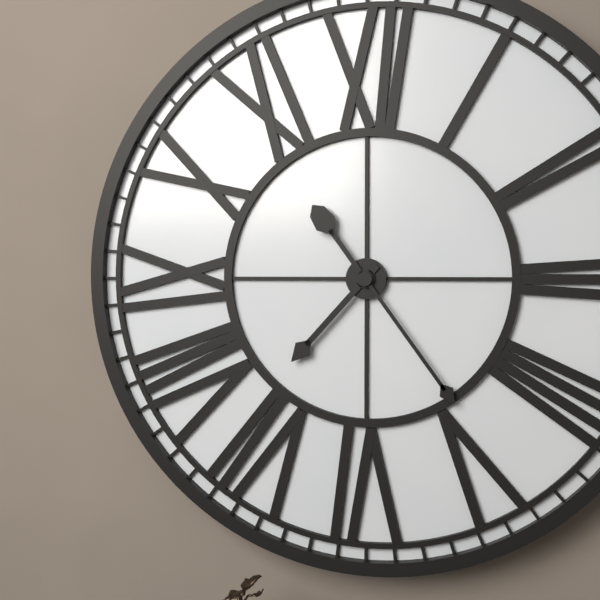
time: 7:24
